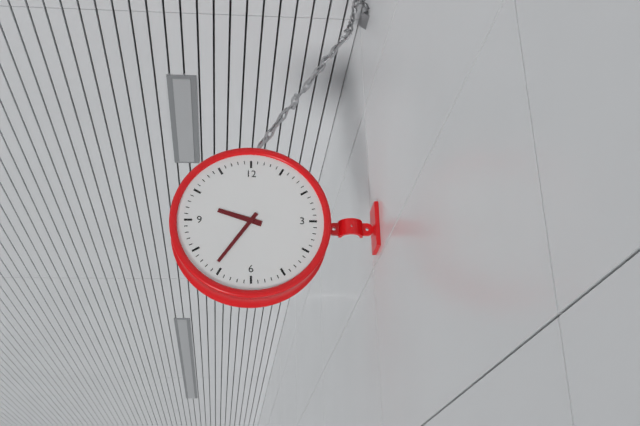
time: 9:36
